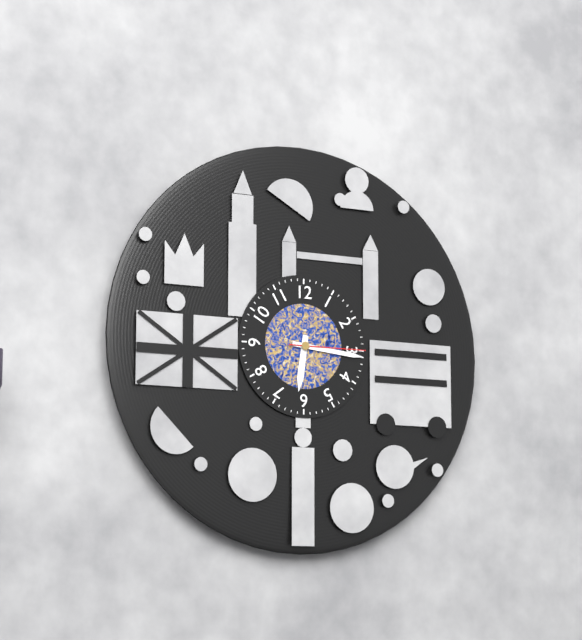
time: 6:16:15
